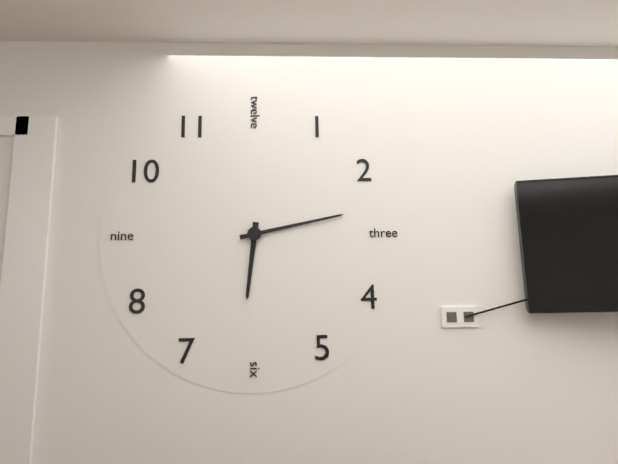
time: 6:13
